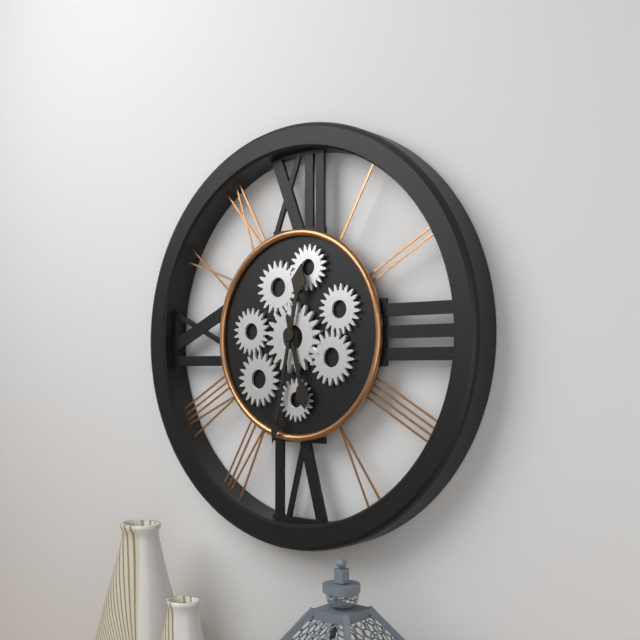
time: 5:32
